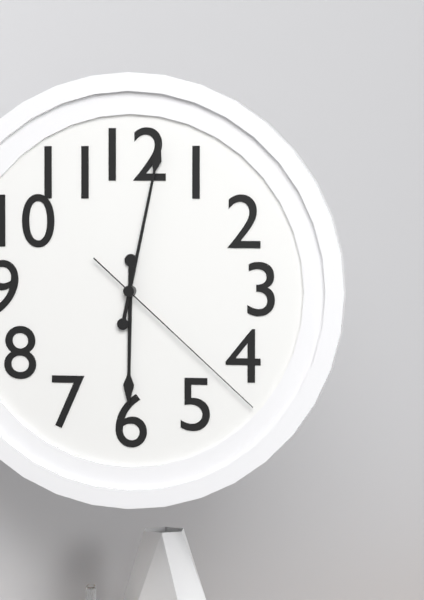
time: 6:02:22
